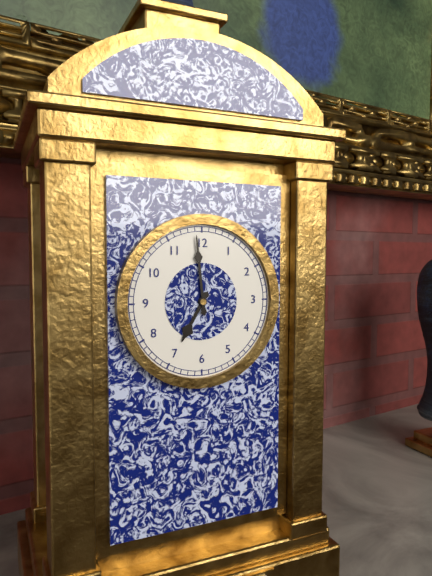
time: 6:59
